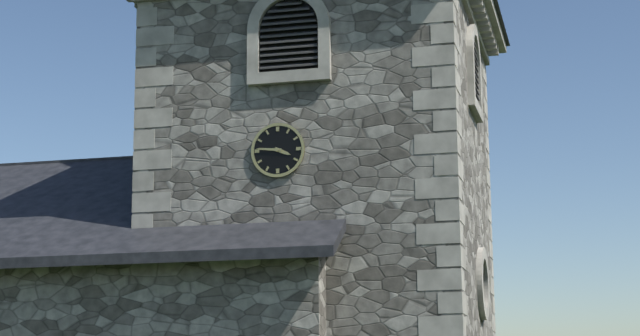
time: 3:46
